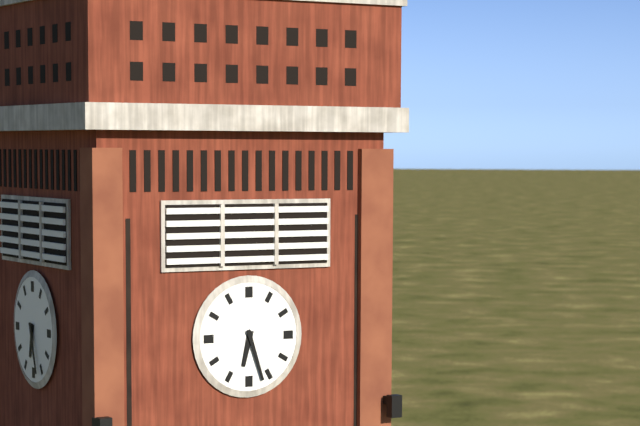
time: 6:27
